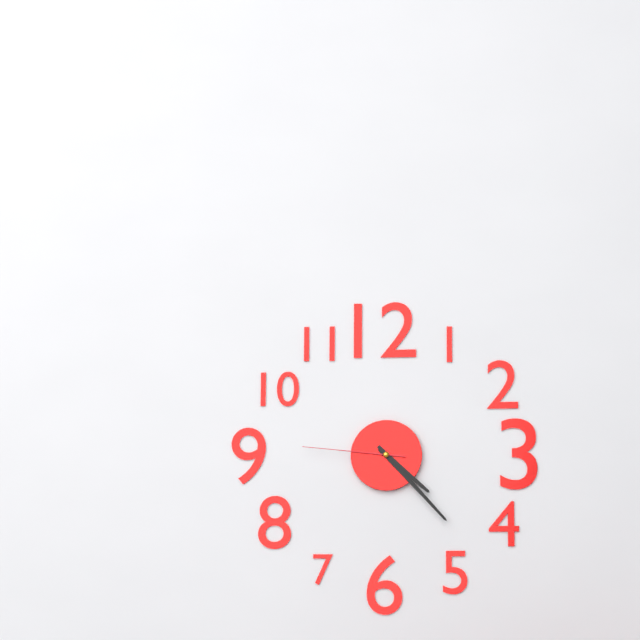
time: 4:23:46
